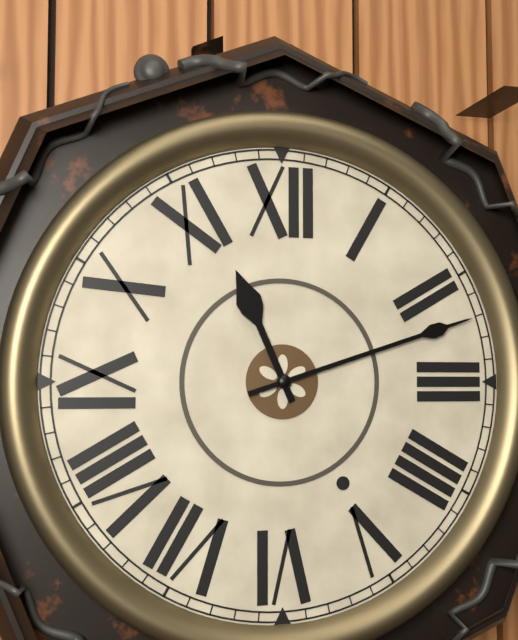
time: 11:12
